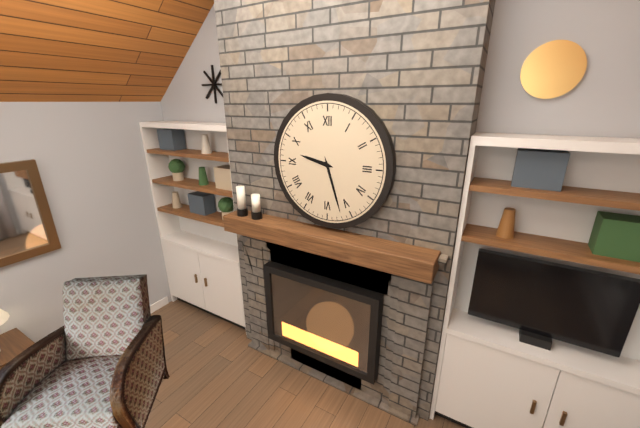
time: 9:27
